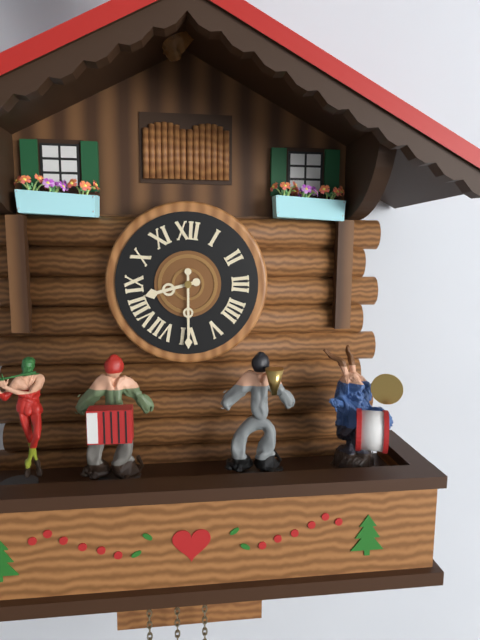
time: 8:30
